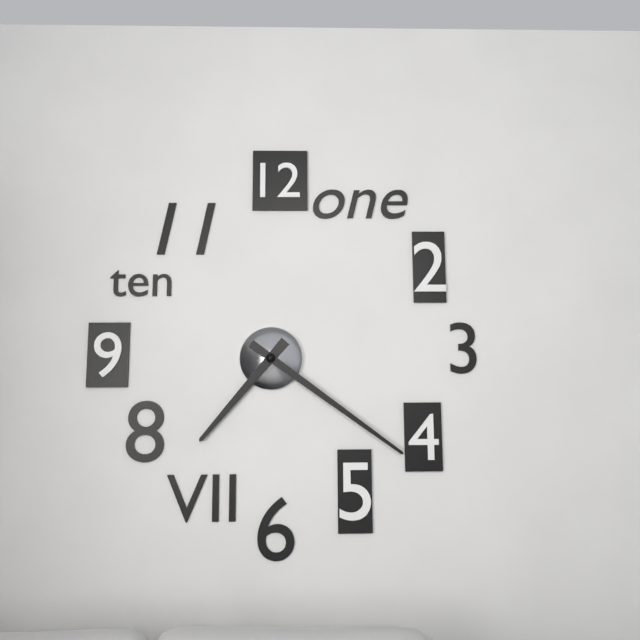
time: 7:21
